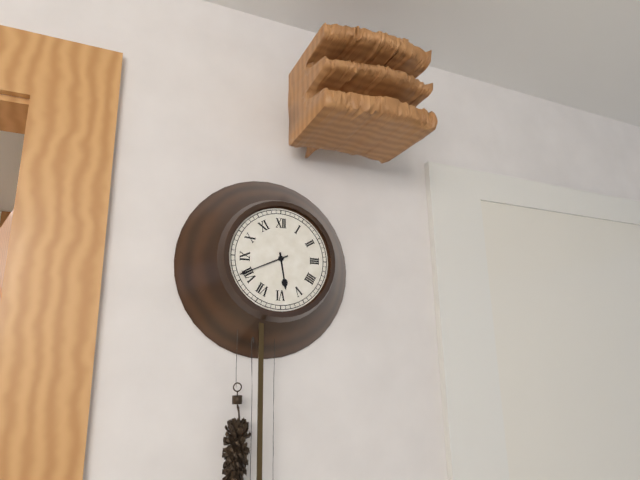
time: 5:41
